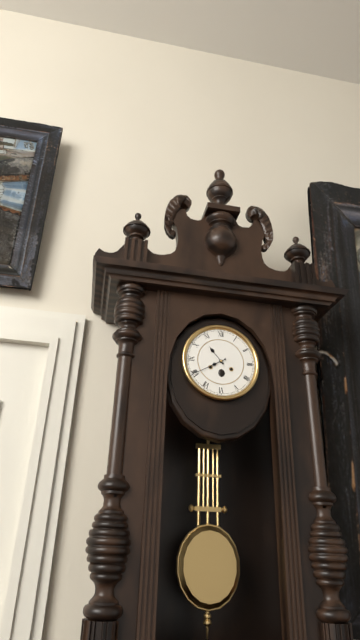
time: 10:40
